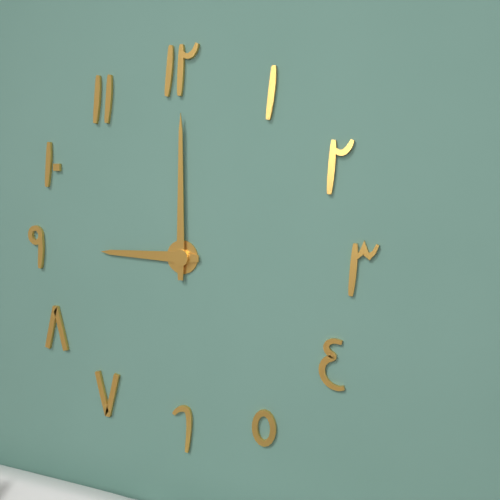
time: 9:00
